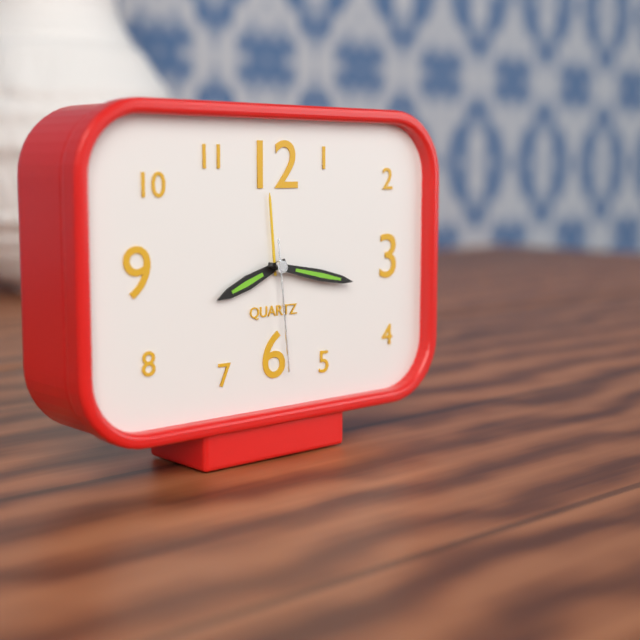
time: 8:17:29
